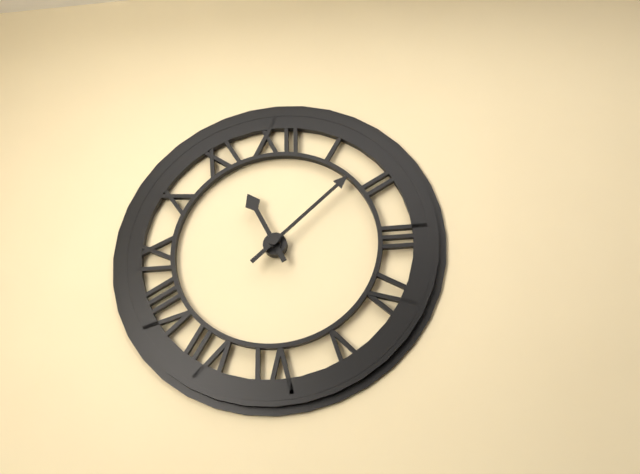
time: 11:08
